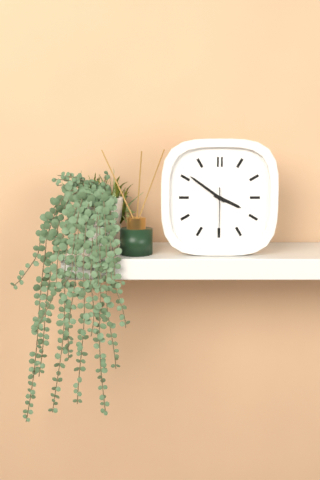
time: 3:51:30
